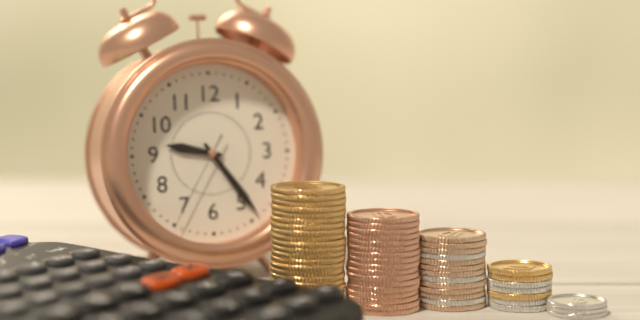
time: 9:24:35
